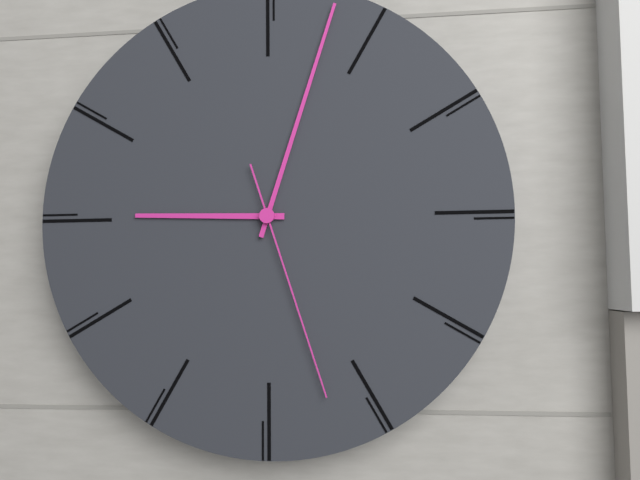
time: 9:03:27
